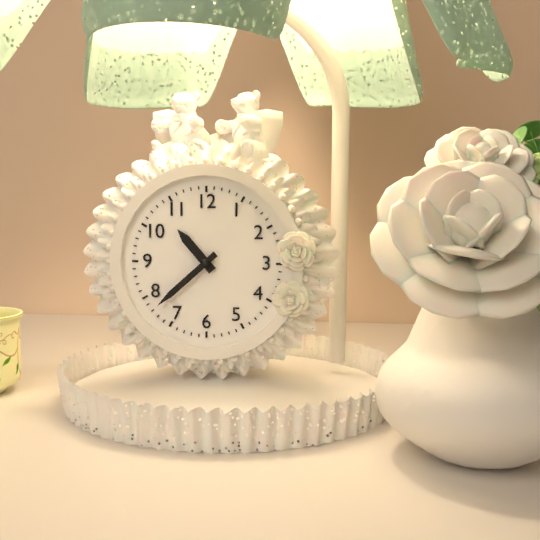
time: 10:38
